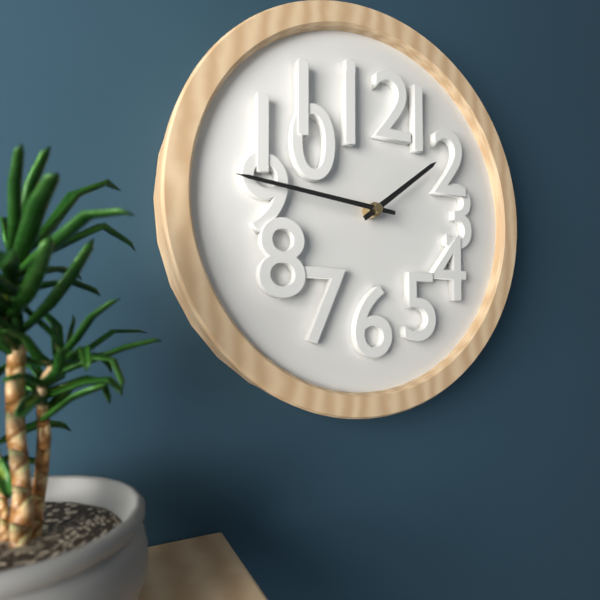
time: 1:46
